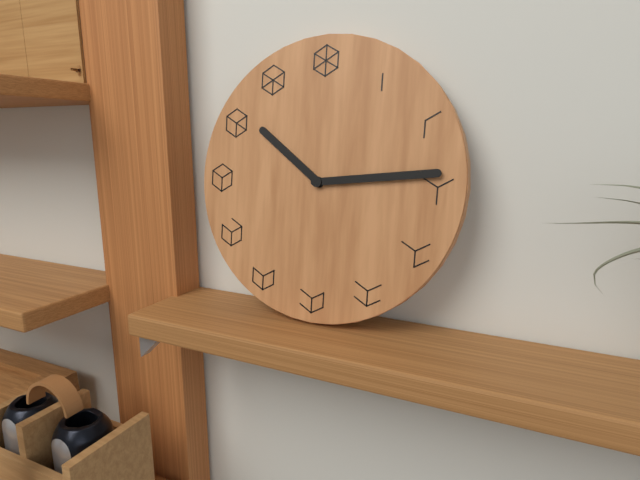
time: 10:14
